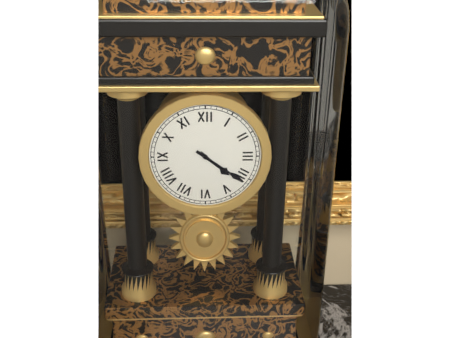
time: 4:21
